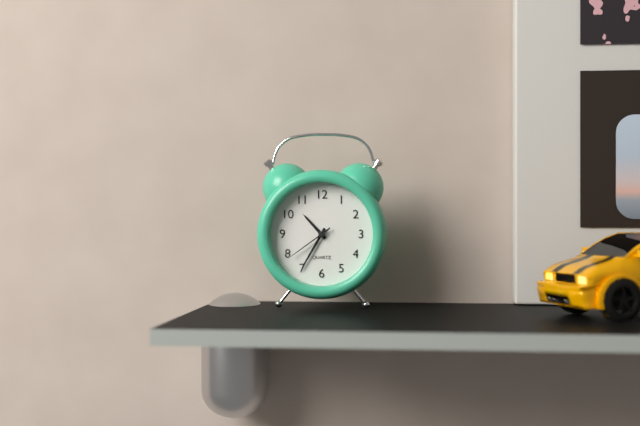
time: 10:35
